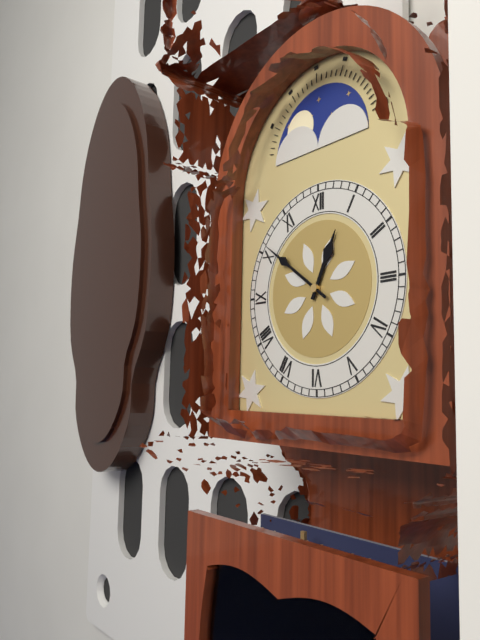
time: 12:51
